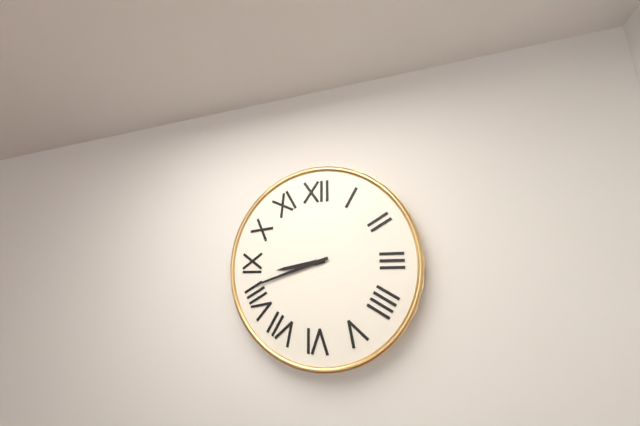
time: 8:42
